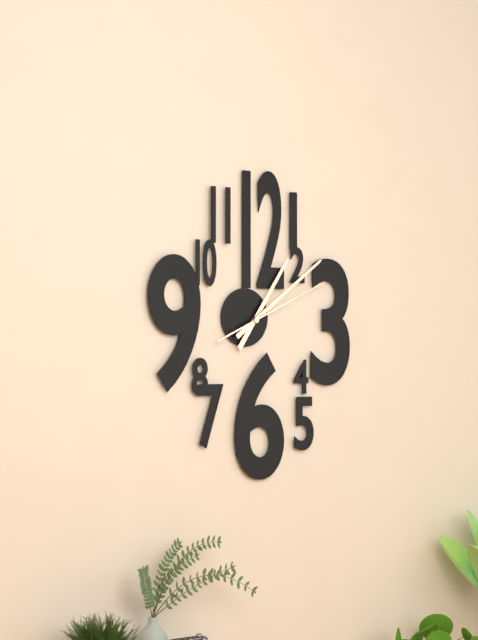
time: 1:09:11
